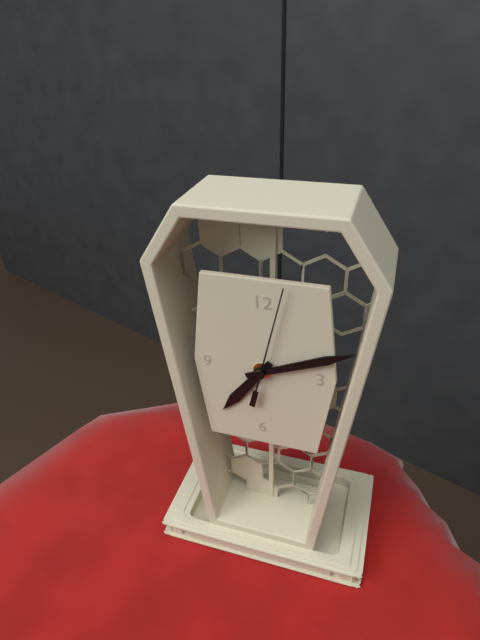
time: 7:11:02
